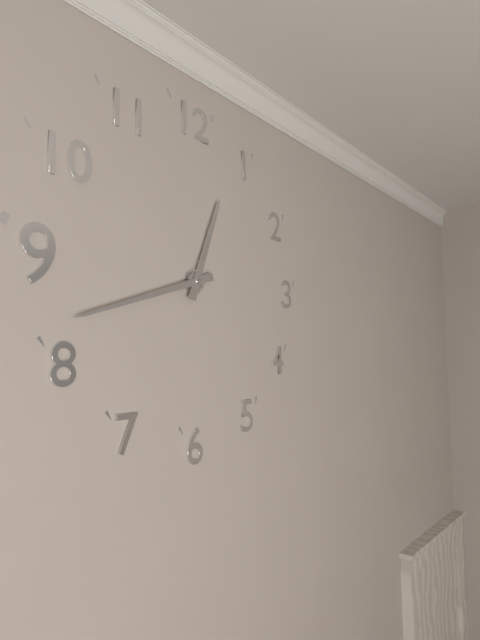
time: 12:42
